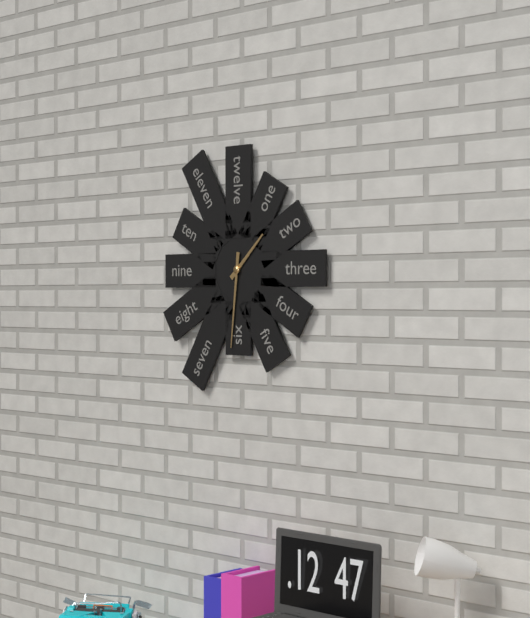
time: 1:31
